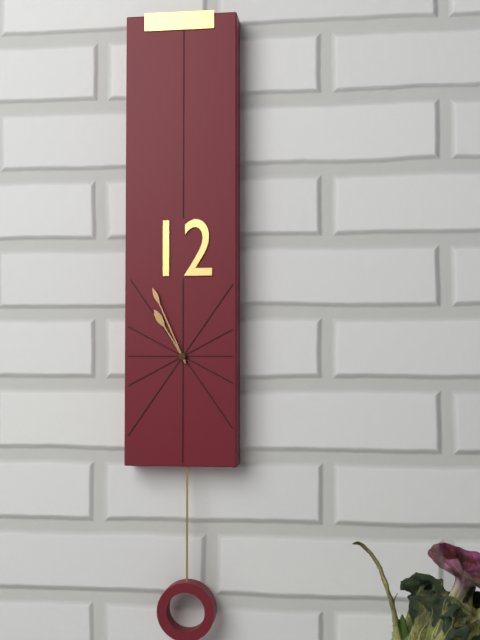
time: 10:56
